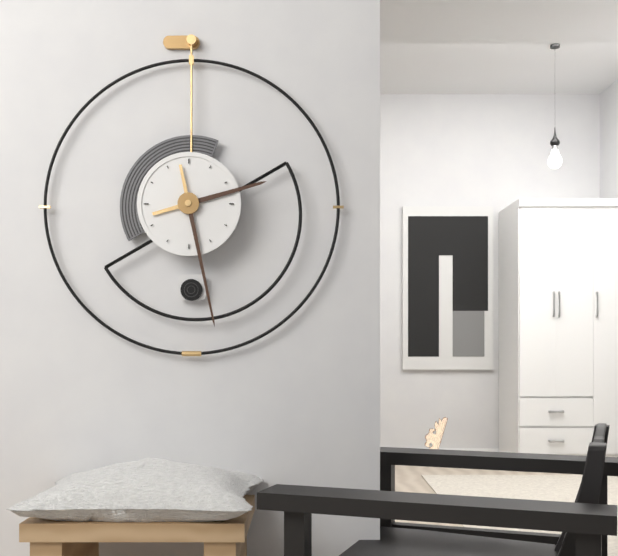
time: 2:28
